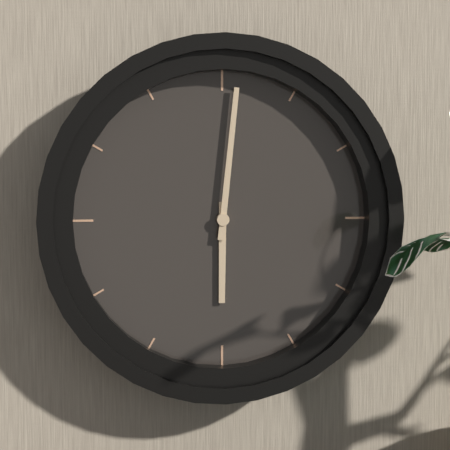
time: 6:01
